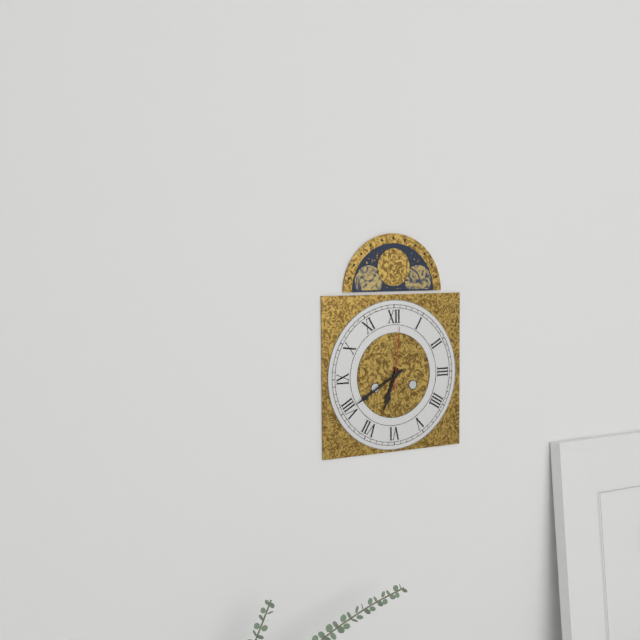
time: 6:40:01
